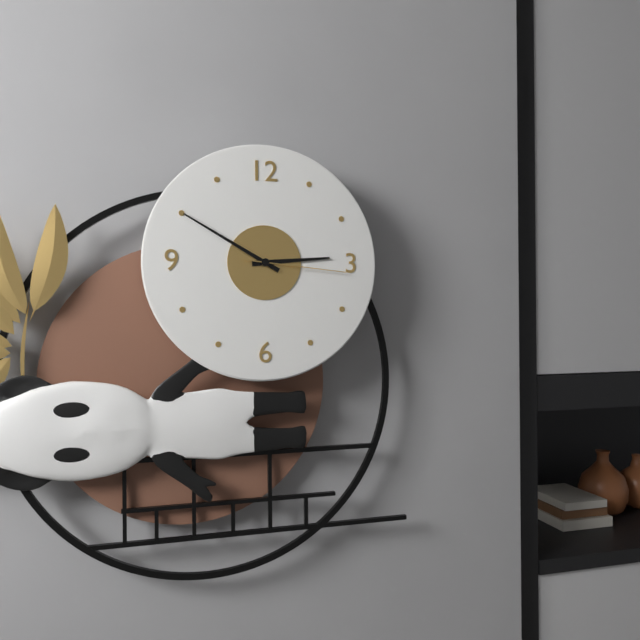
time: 2:50:16
